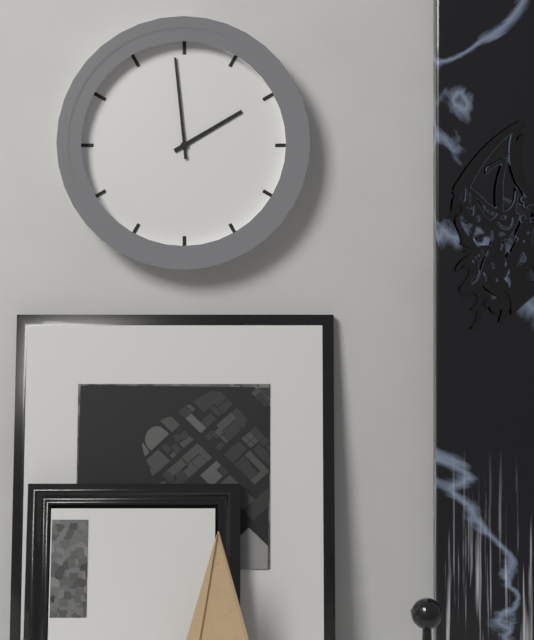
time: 1:59
